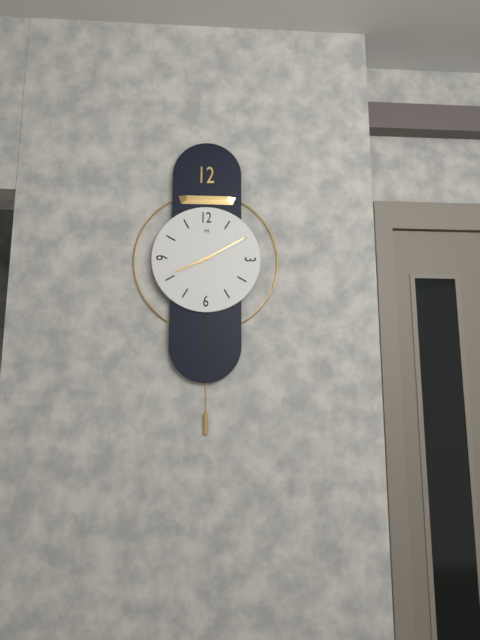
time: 8:10
